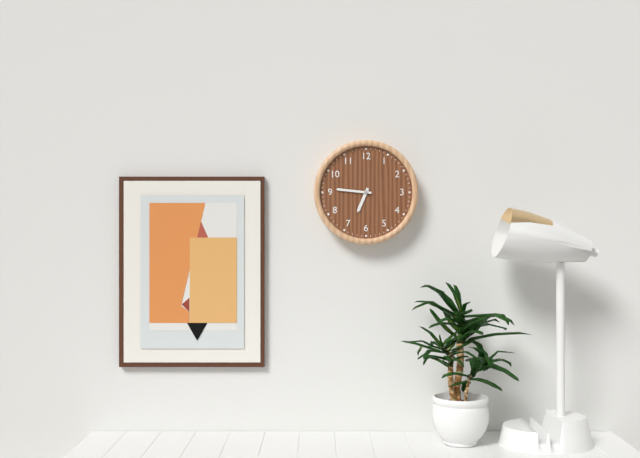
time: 6:46
